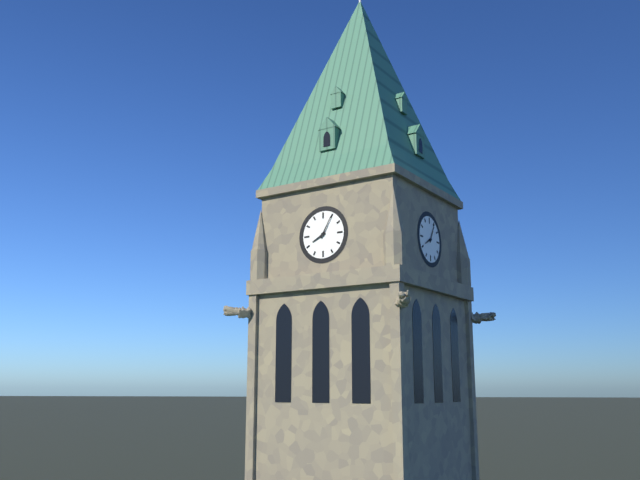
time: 8:05
